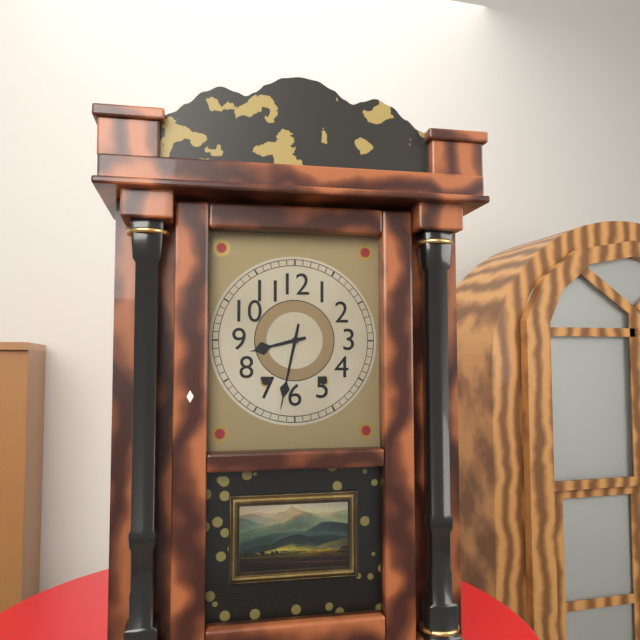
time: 8:32
